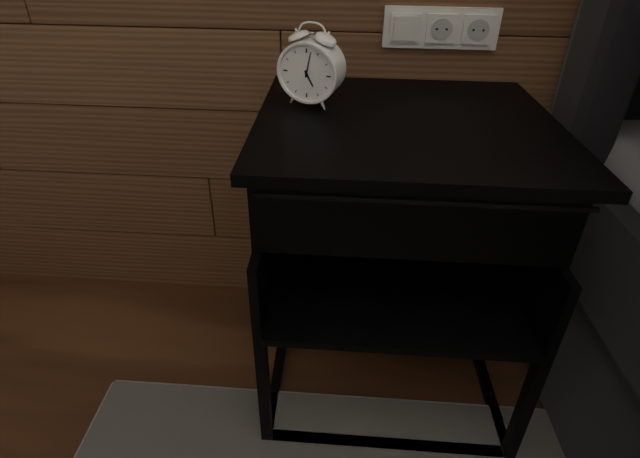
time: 5:02
